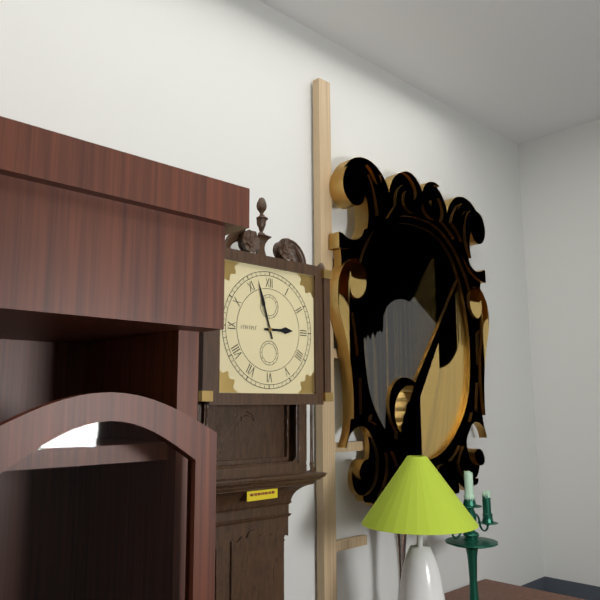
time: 2:57
